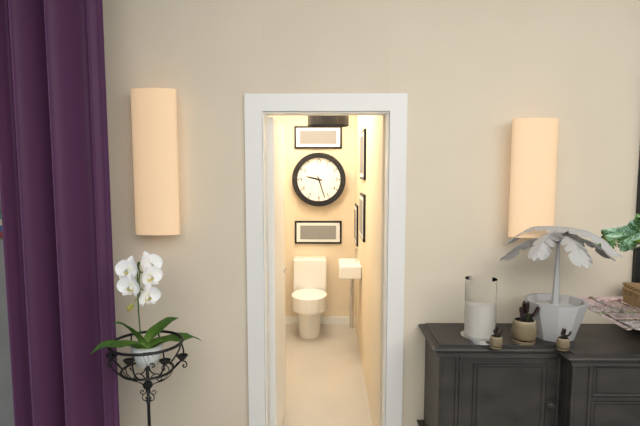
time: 9:27
